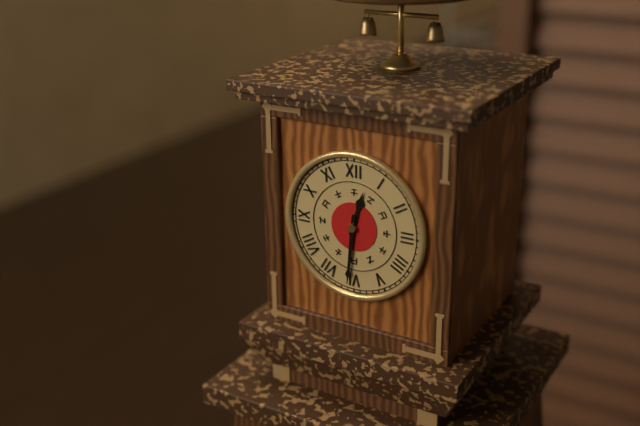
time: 12:31
